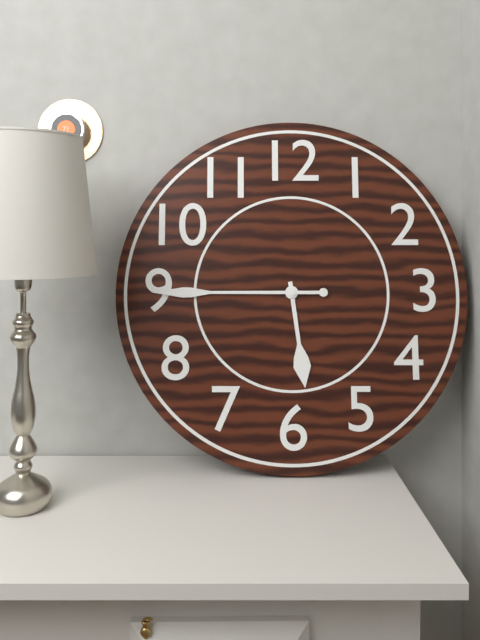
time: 5:45
